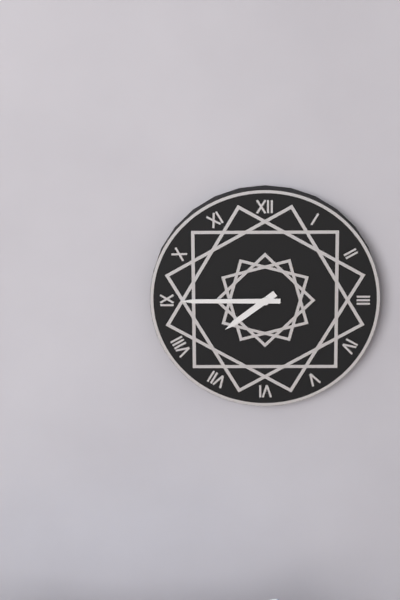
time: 7:45
